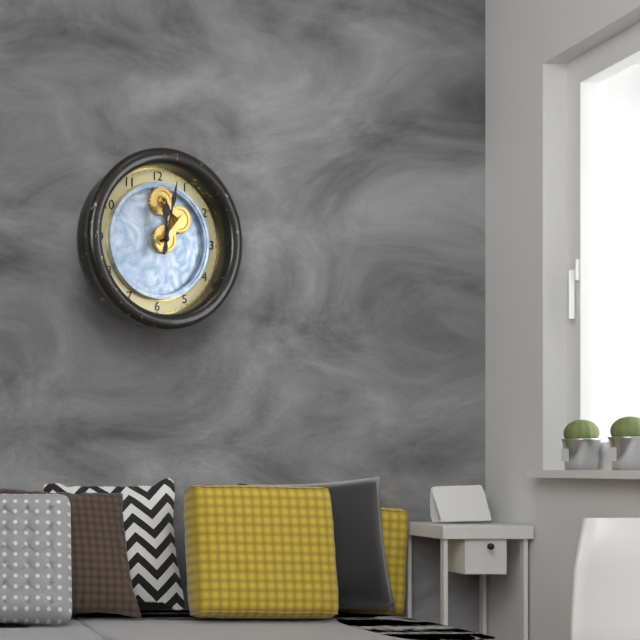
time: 12:02
